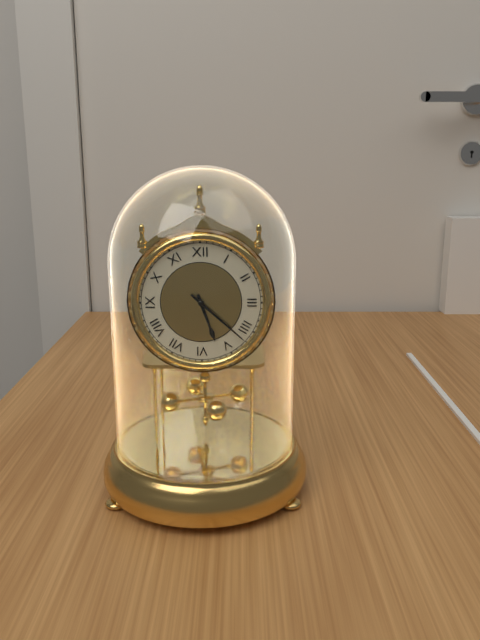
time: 5:22
